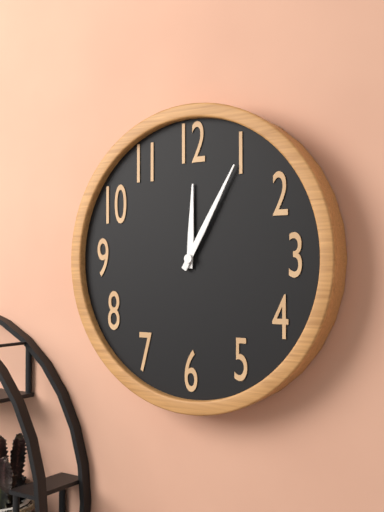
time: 12:05
